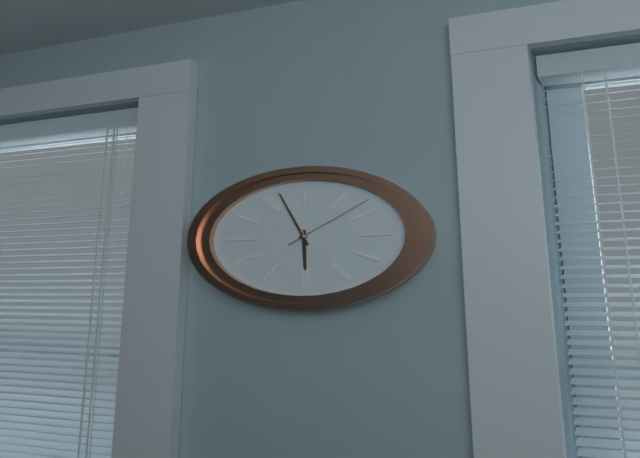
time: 5:57:08
